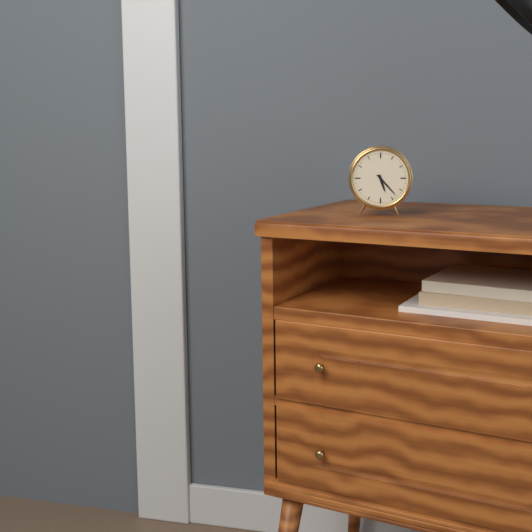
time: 5:23
